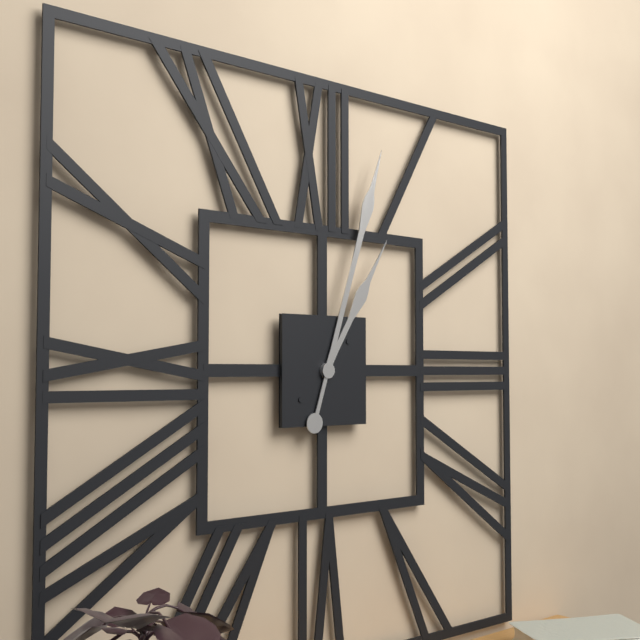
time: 1:03
